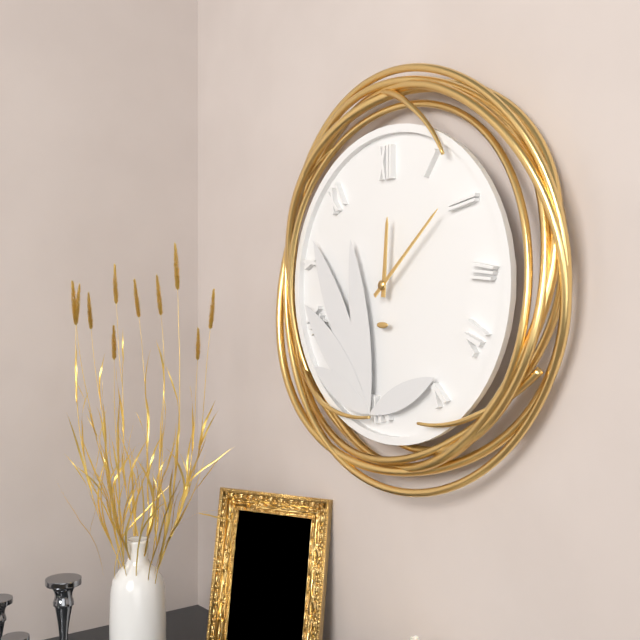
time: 12:08
